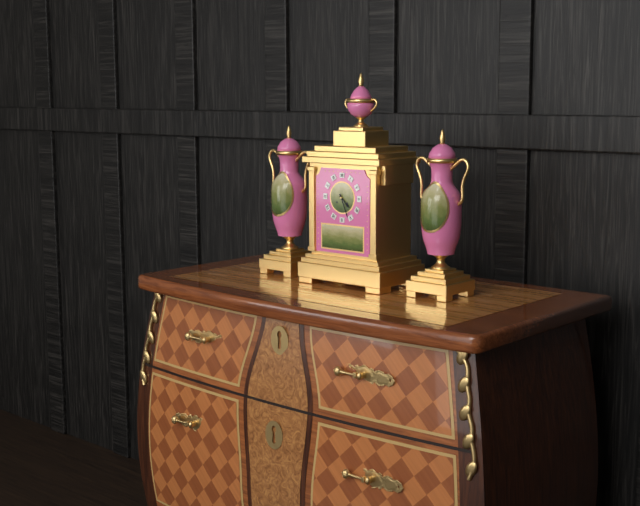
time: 4:26
